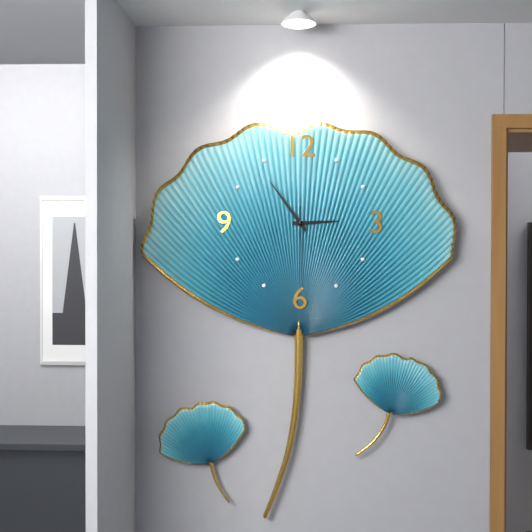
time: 2:54:30
